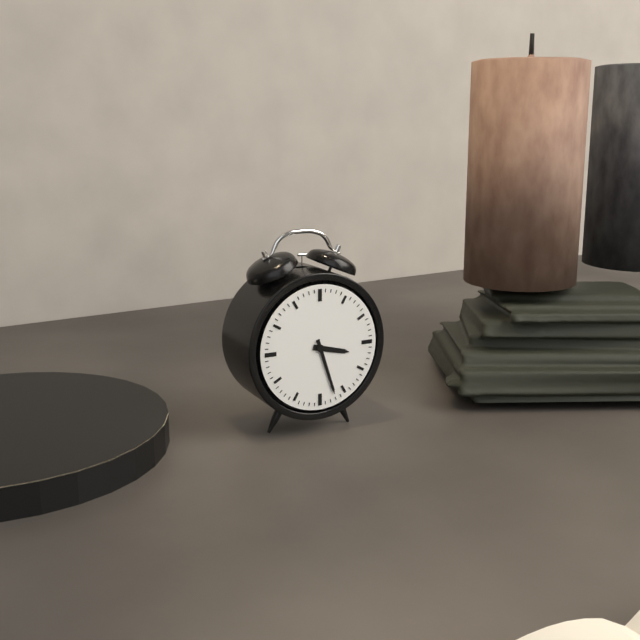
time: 3:27
